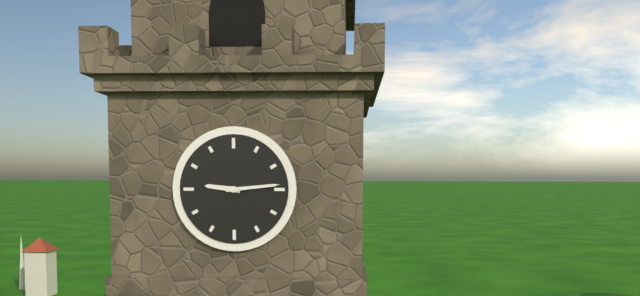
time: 9:14
